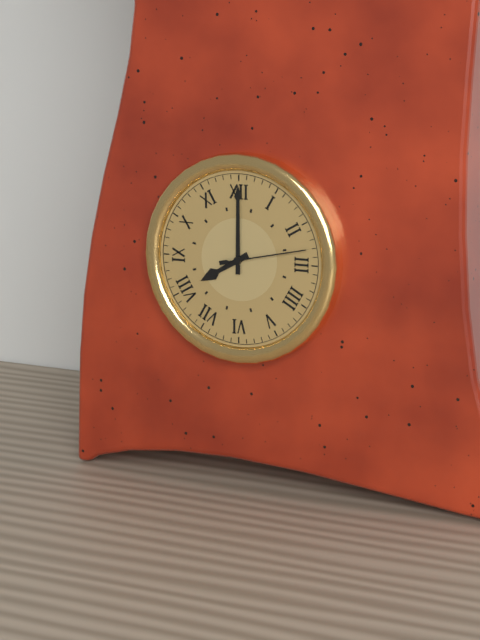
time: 8:00:13
